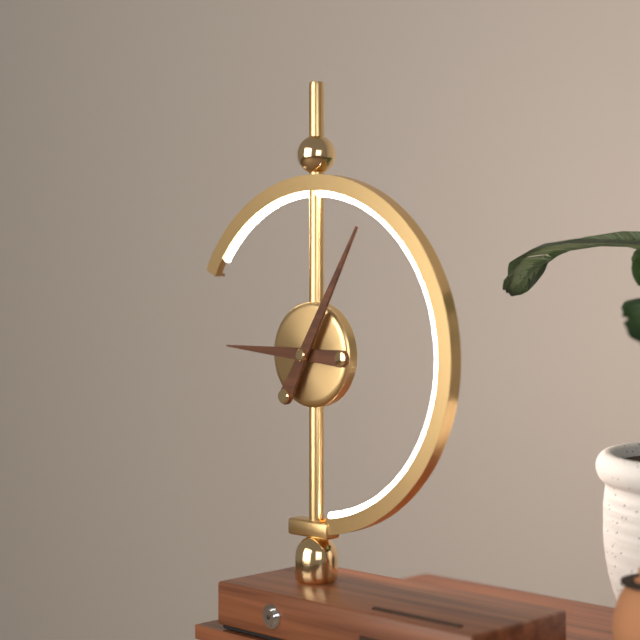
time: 9:05
